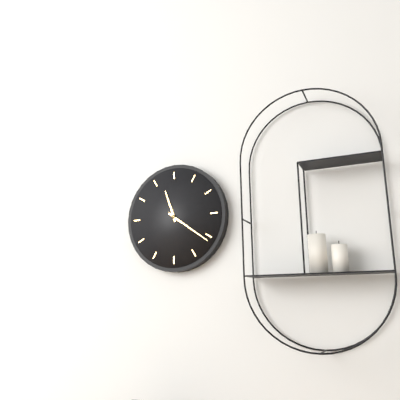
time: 11:21
